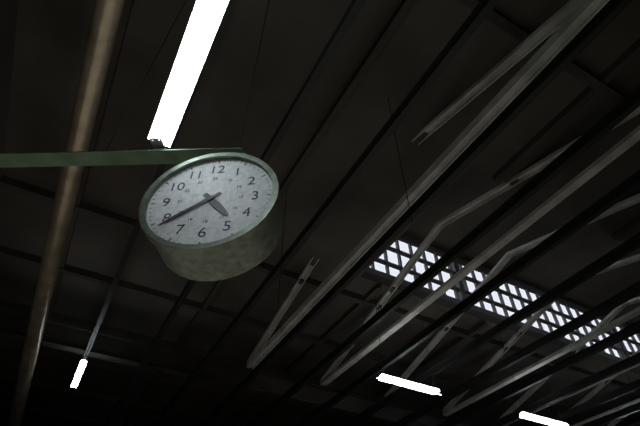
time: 4:39
